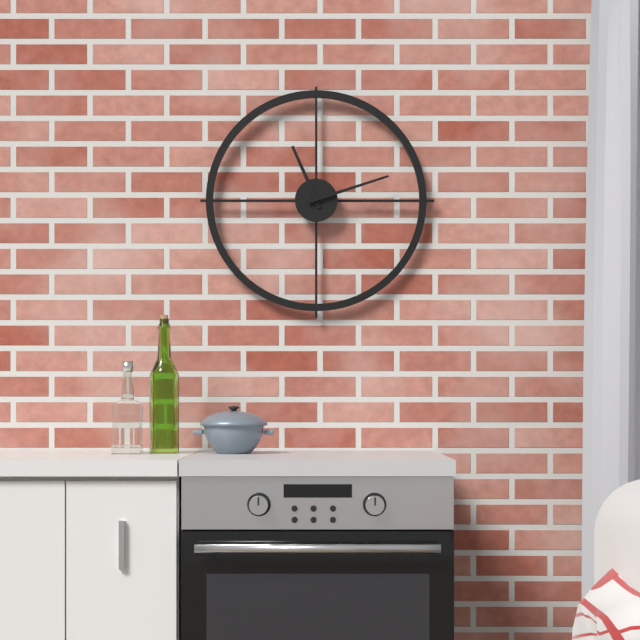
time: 11:12
